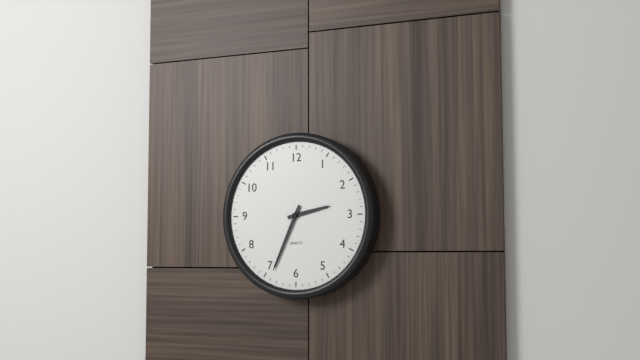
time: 2:34
